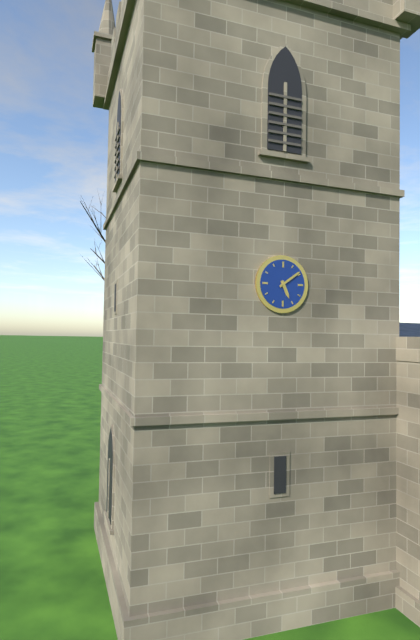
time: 5:09
